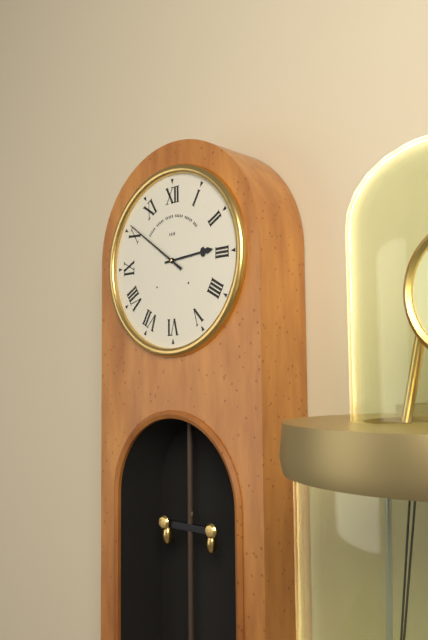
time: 2:51
